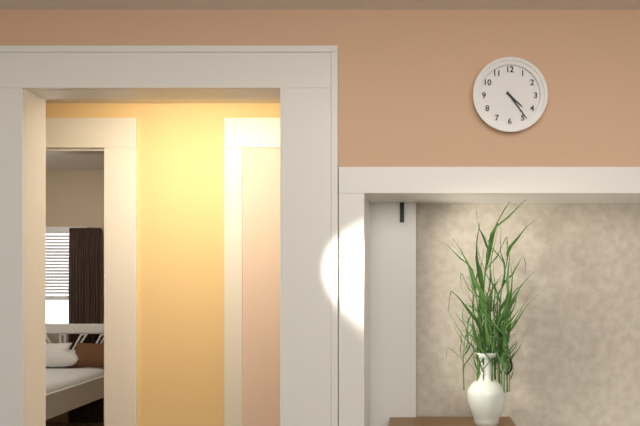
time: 4:24
